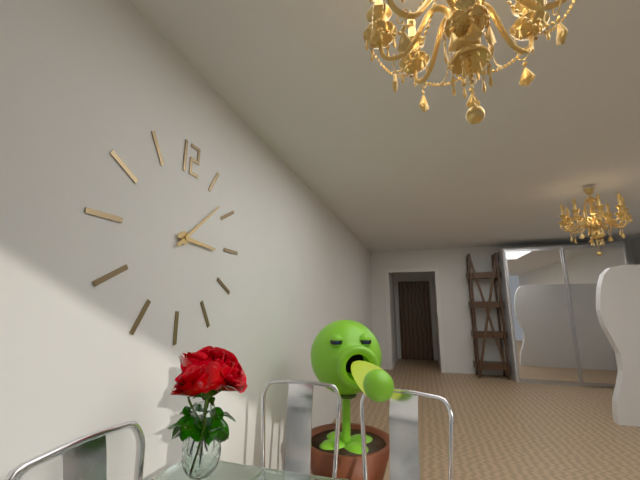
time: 3:08
